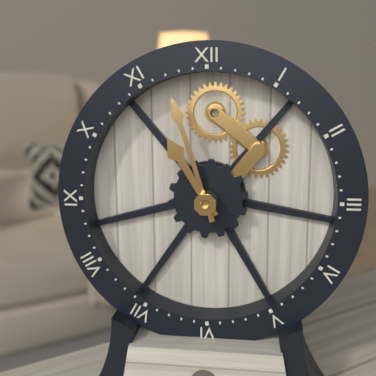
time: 10:57
